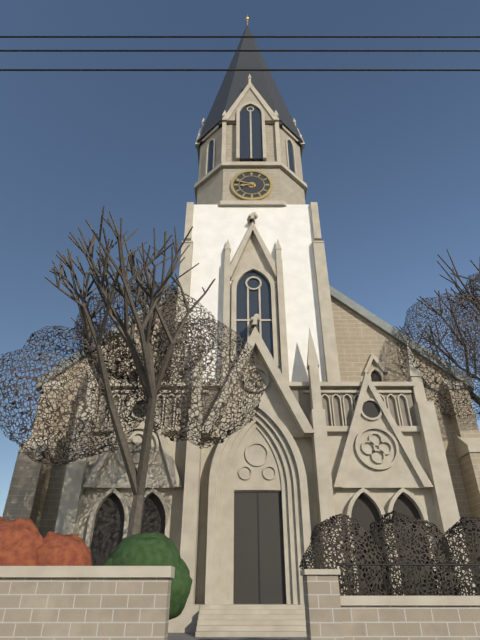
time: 8:48
